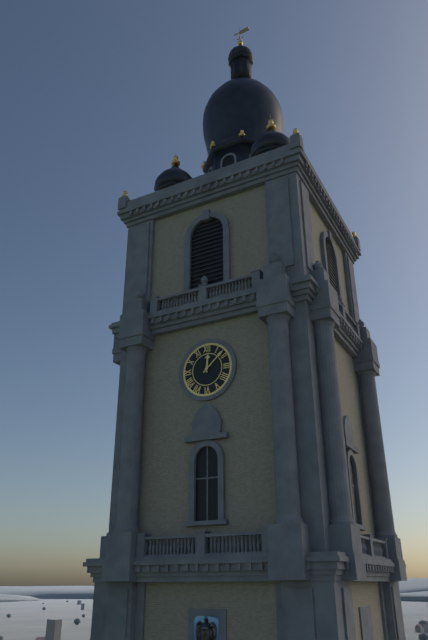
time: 12:08
